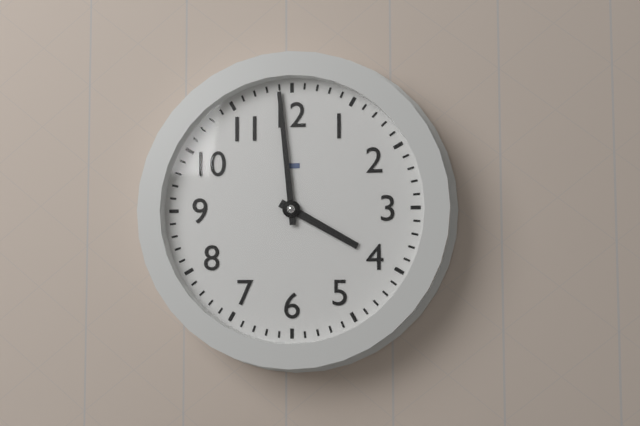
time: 3:59
